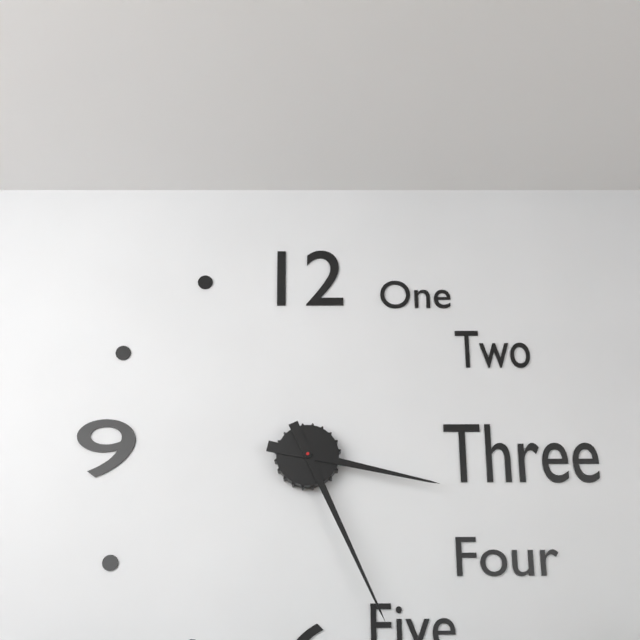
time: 3:26
